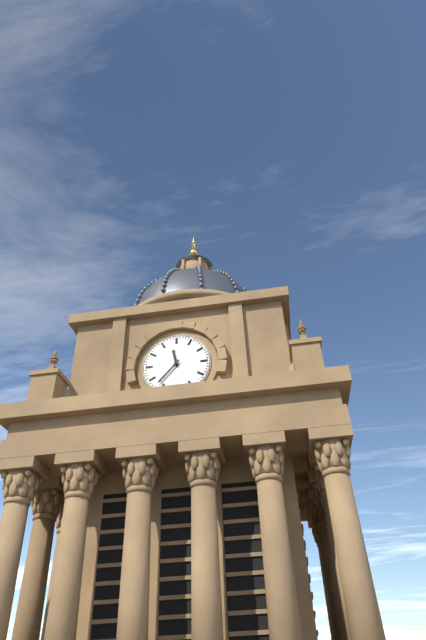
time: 11:37
